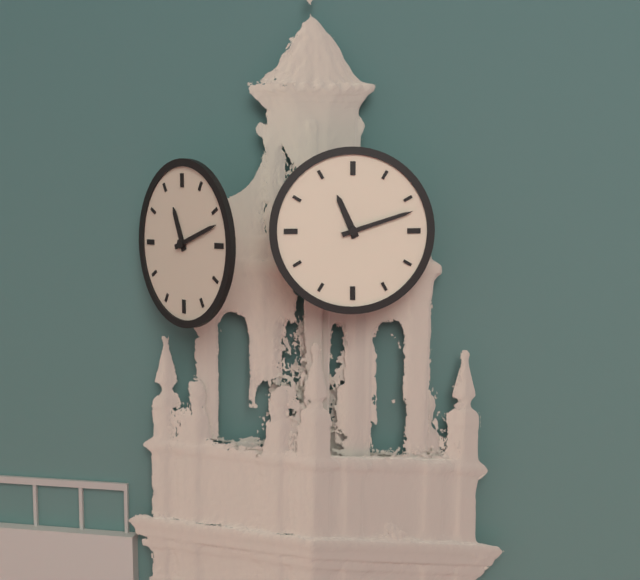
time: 11:12
